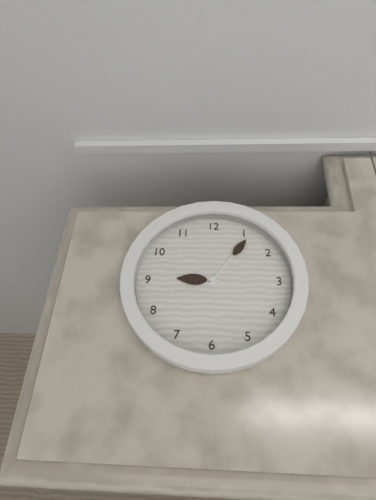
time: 9:06
